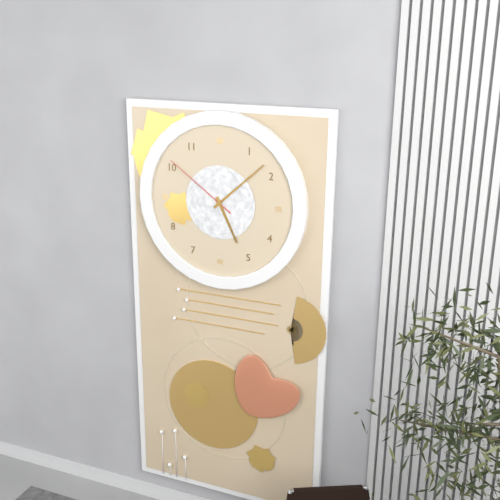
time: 5:08:51
